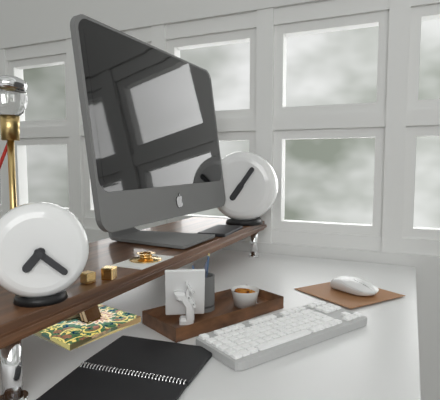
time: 7:22
